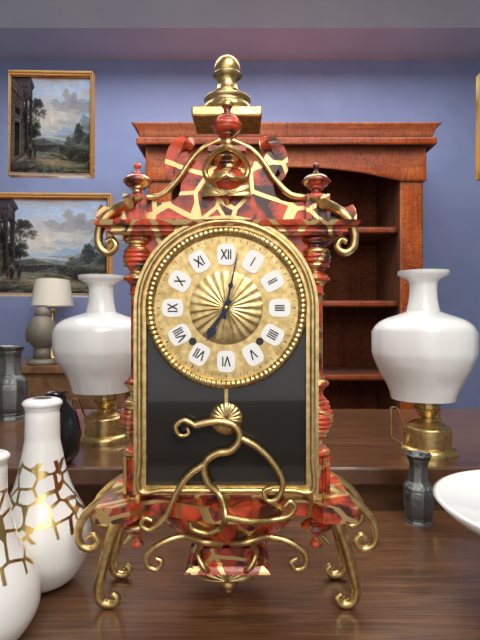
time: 7:02
